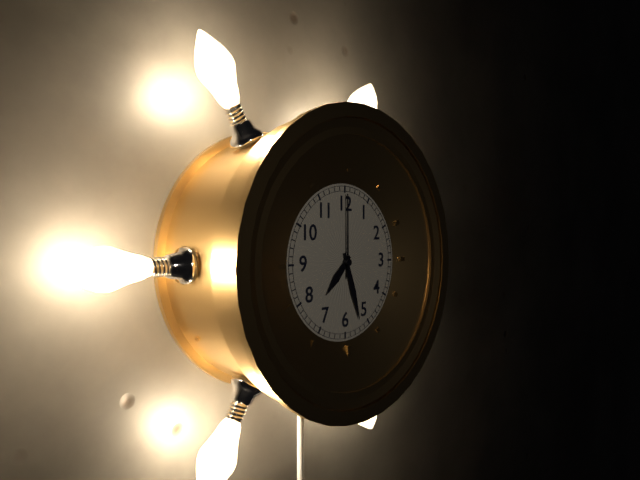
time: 7:27:00
